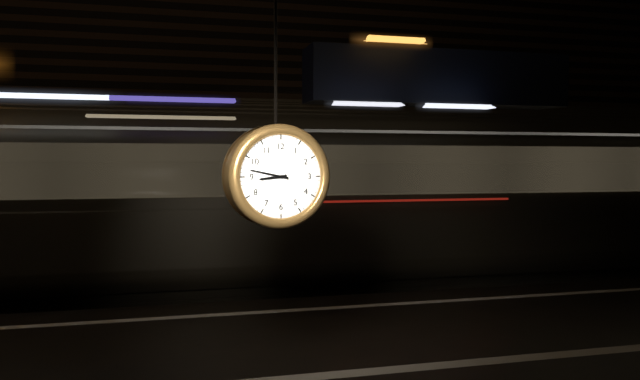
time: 8:47
